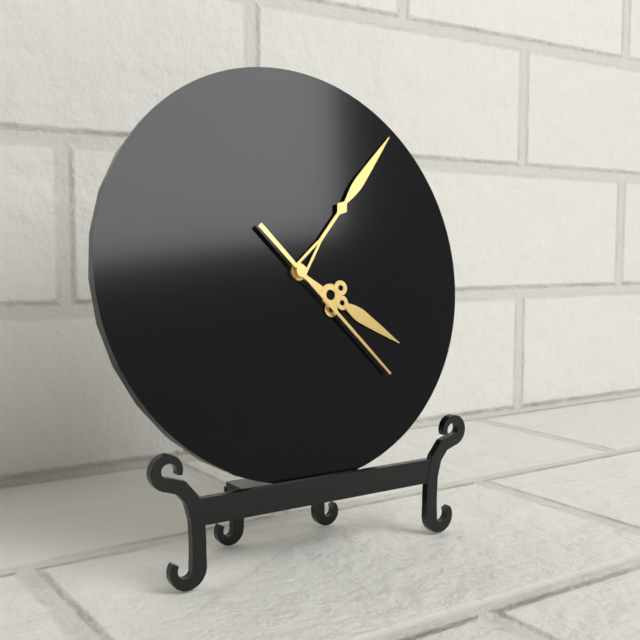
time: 4:07:23
